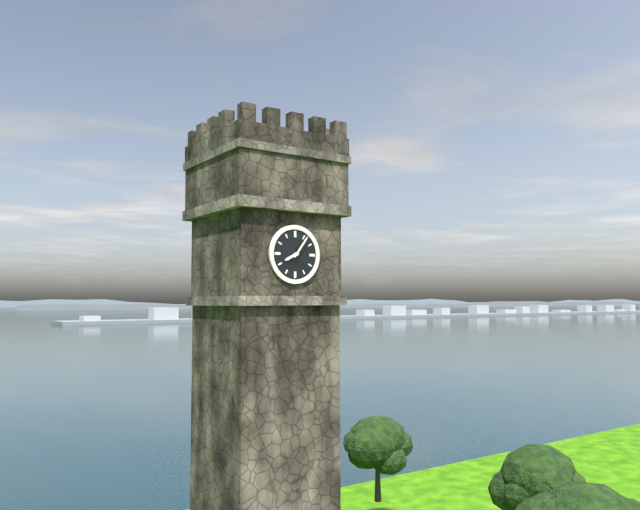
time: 8:06
